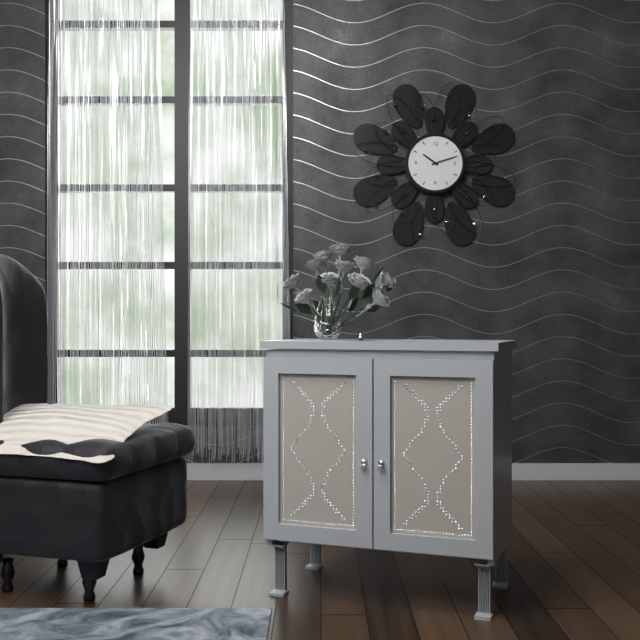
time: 10:12
